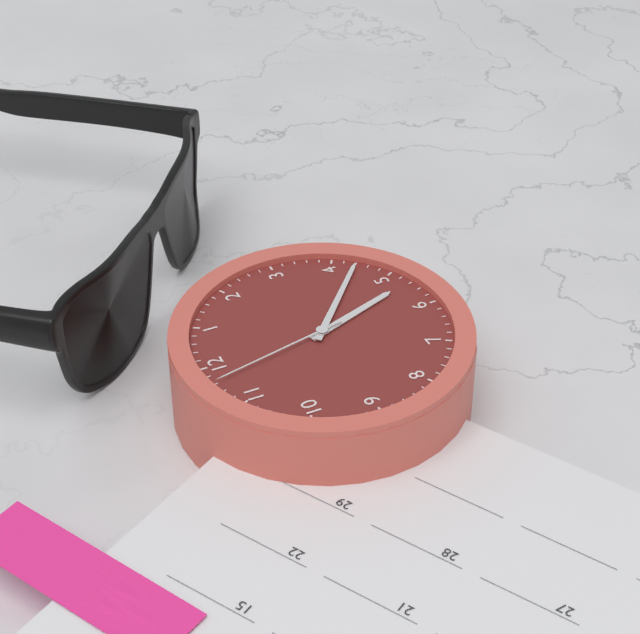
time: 5:22:58
